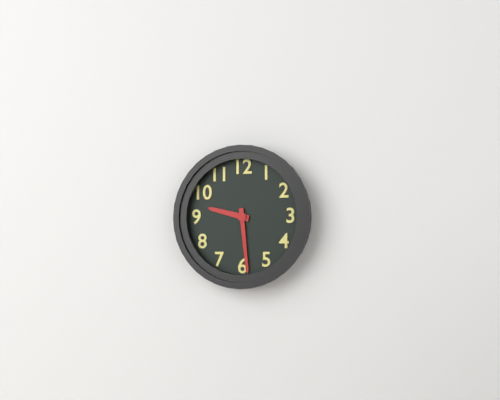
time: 9:29
